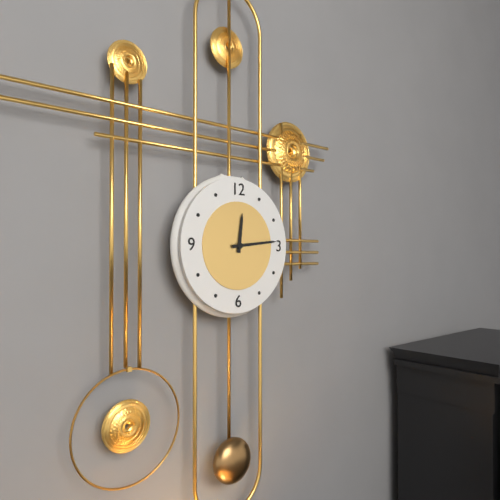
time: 12:14
